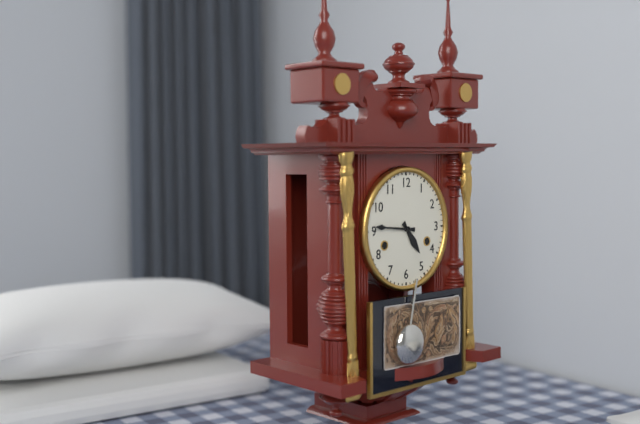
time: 4:46
